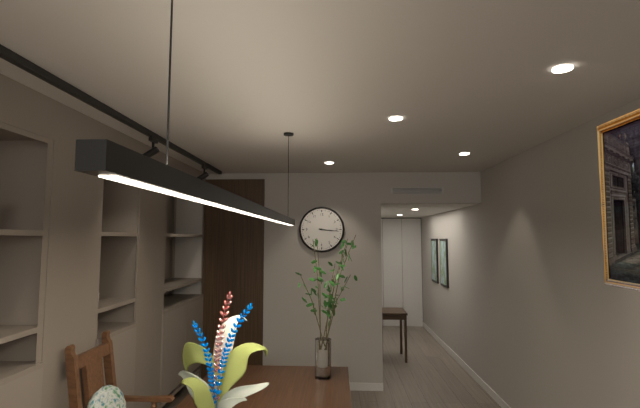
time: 3:16
